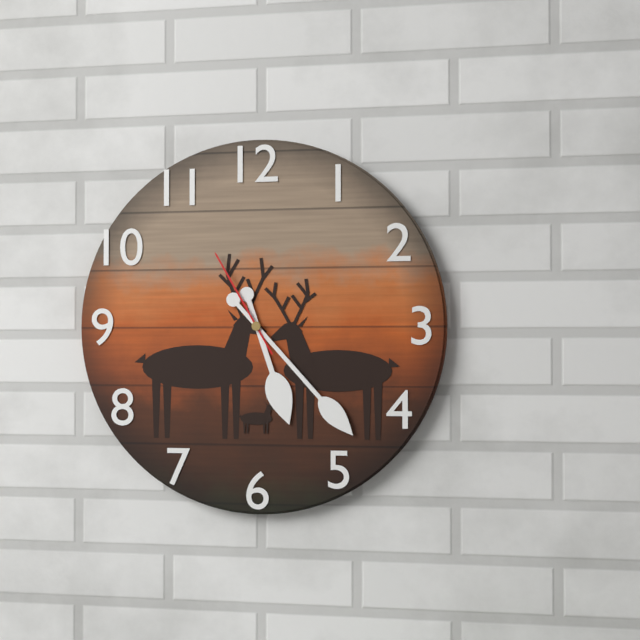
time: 5:23:55
